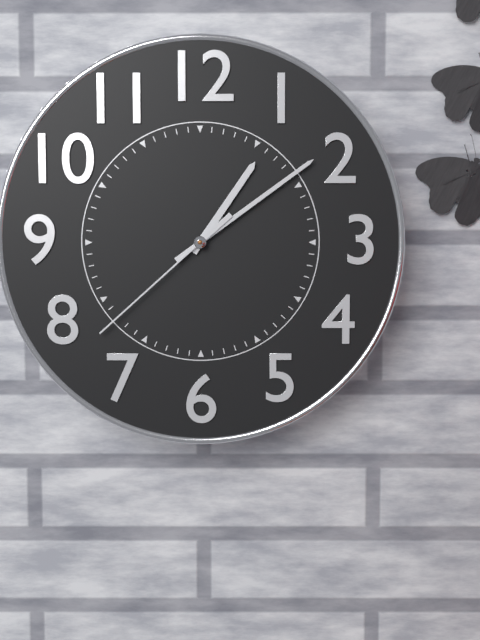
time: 1:09:38
